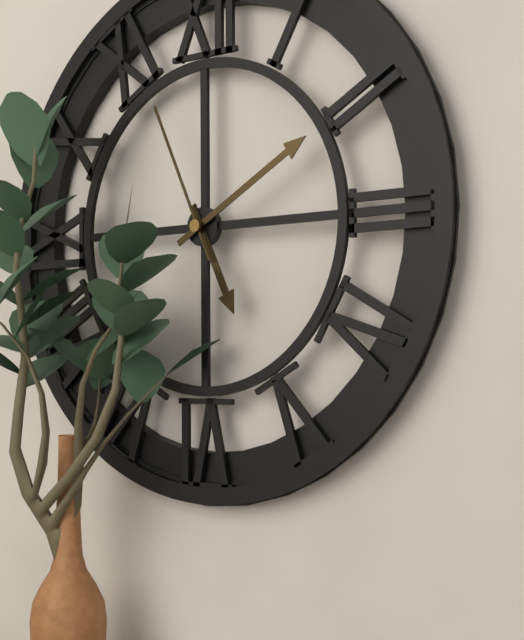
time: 5:10:56
